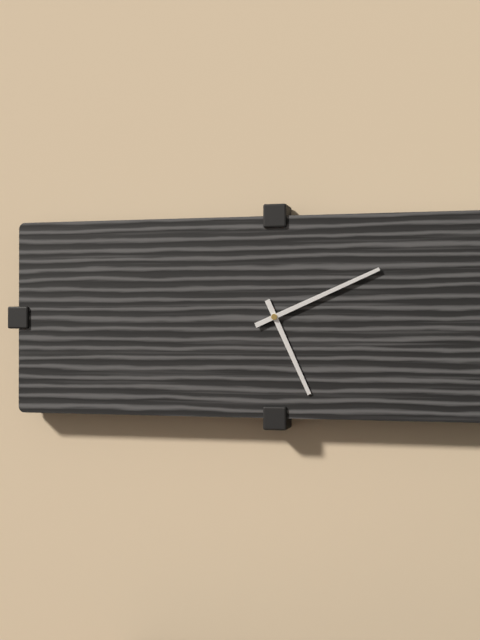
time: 5:11
